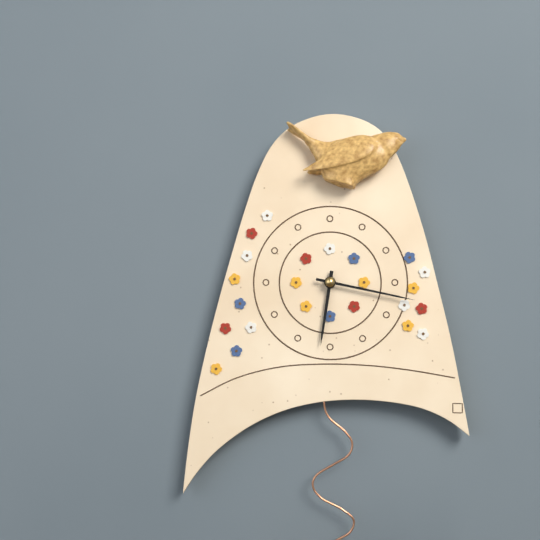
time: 6:17
